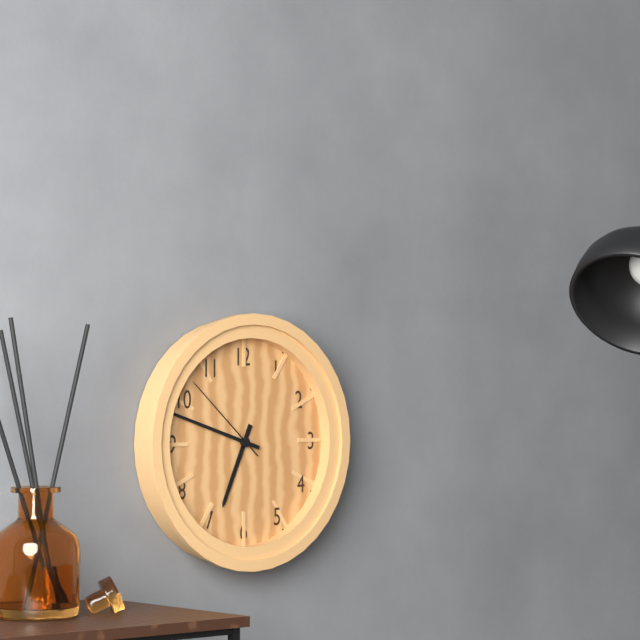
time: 6:48:52
